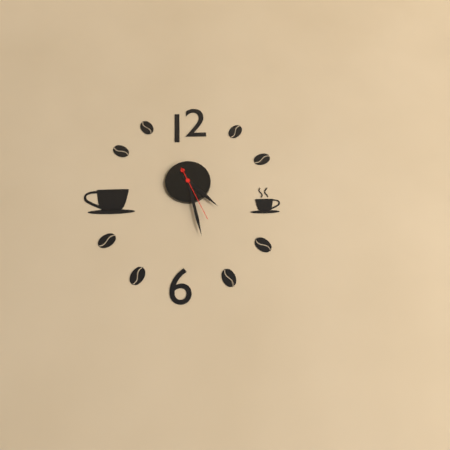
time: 4:28:26
